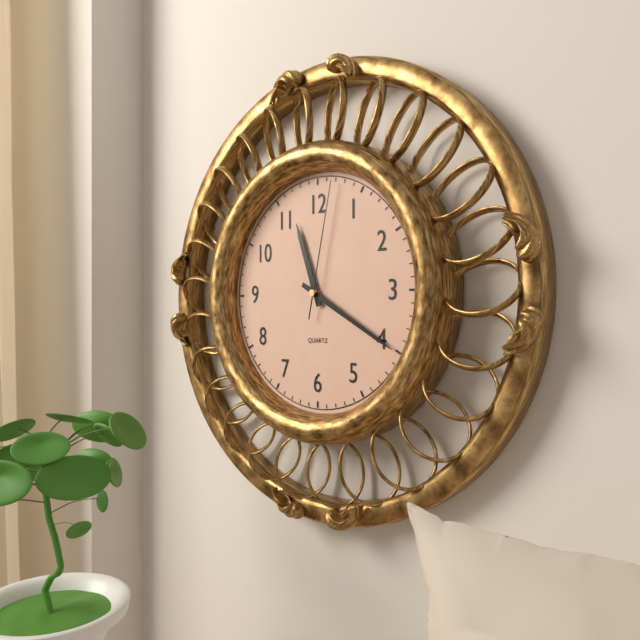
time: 11:20:02
